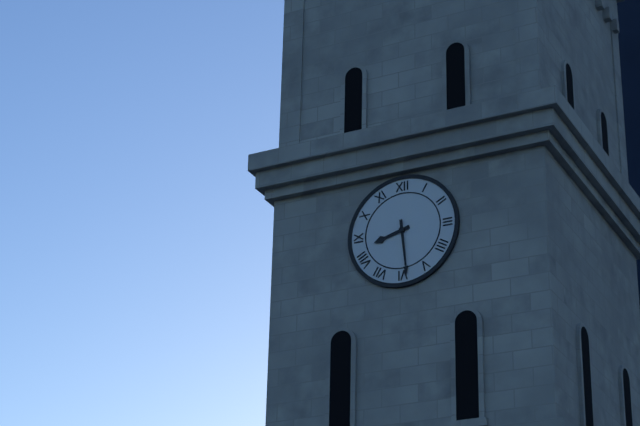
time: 8:29
